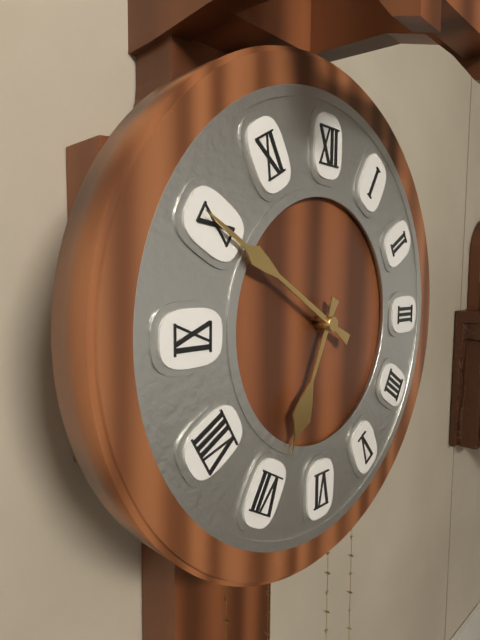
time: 6:50
